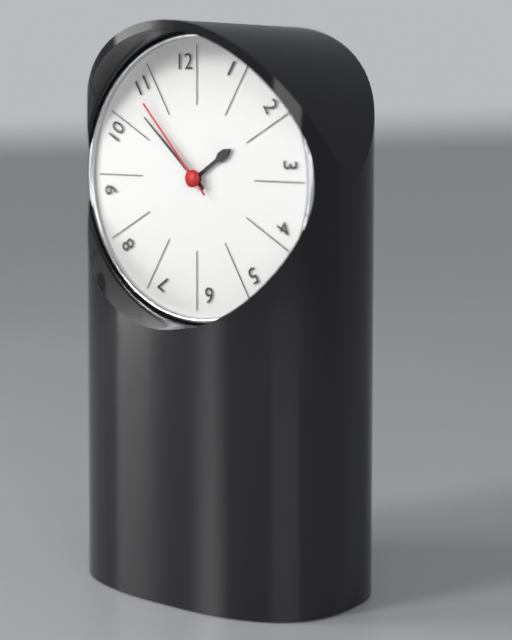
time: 1:52:53
